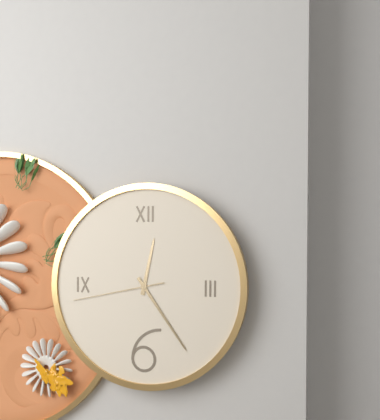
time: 12:24:43
